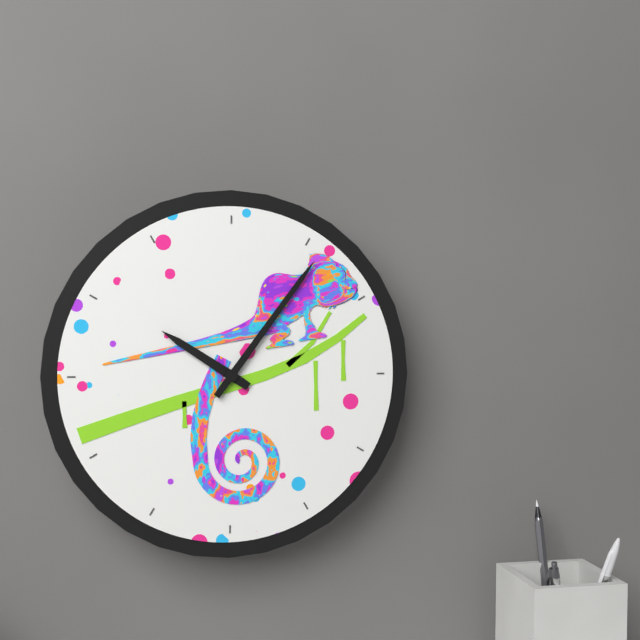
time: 10:06
